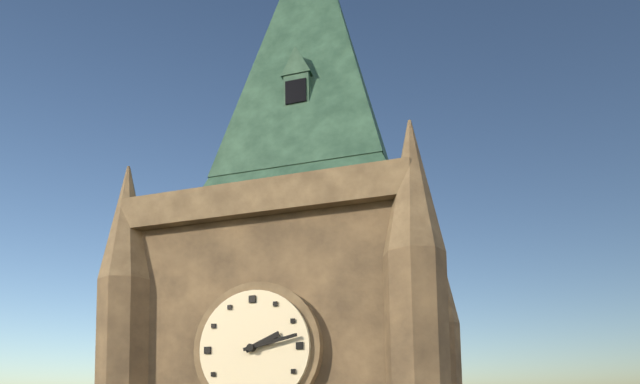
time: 2:13
